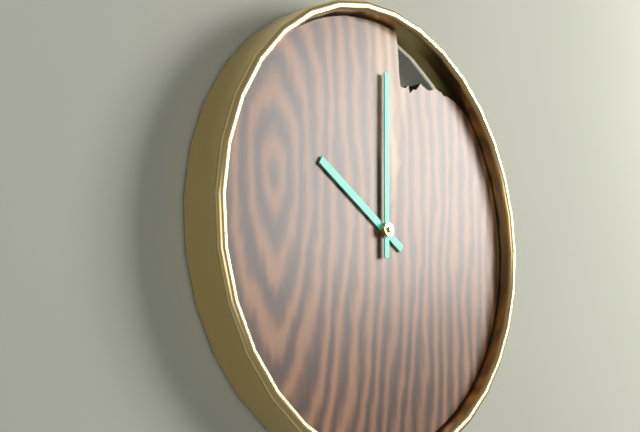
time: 10:00
